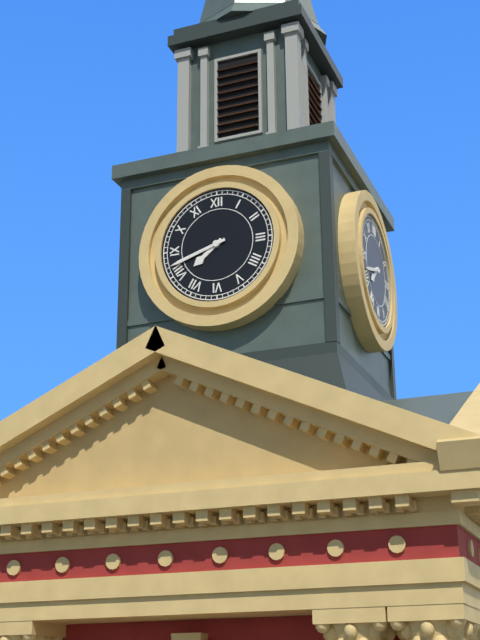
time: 7:42
